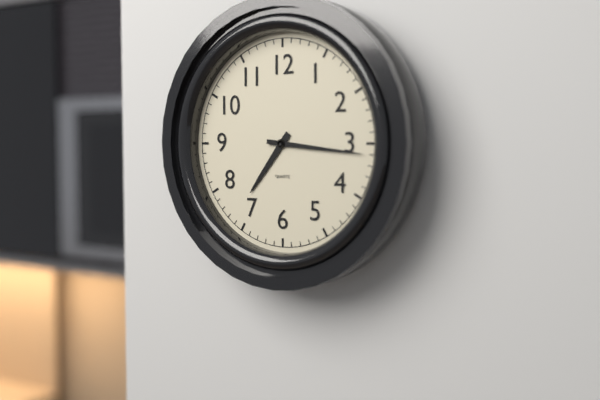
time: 7:16
